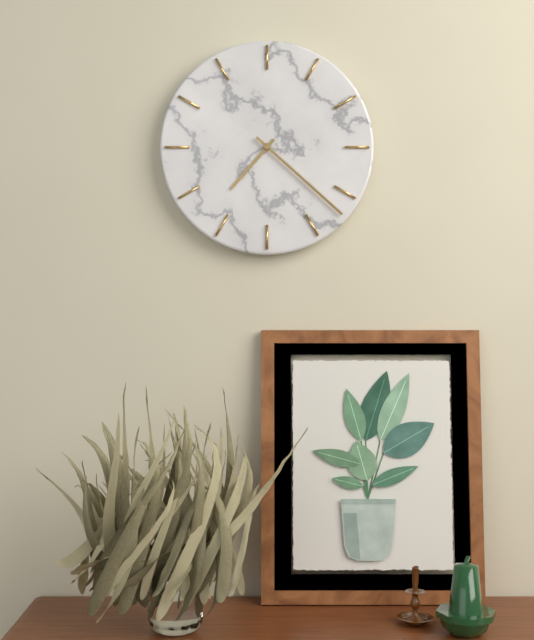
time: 7:22
